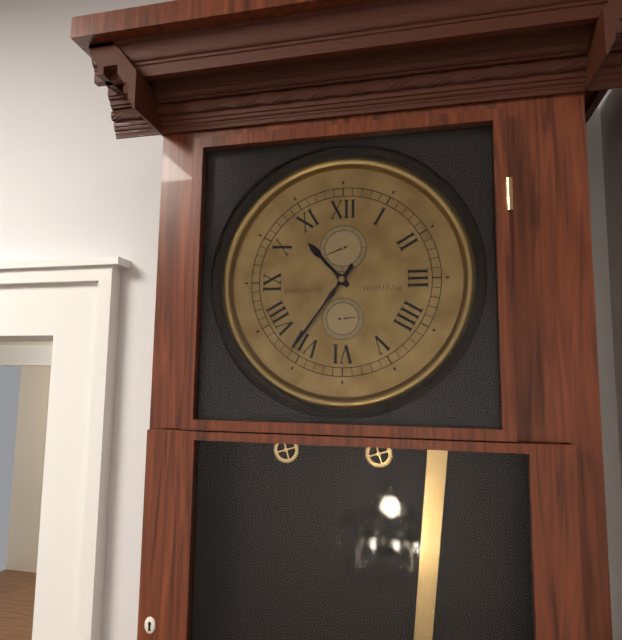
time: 10:36
